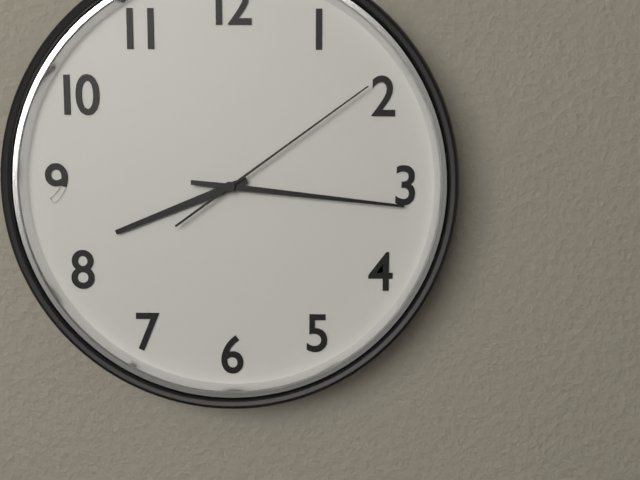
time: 8:16:09
